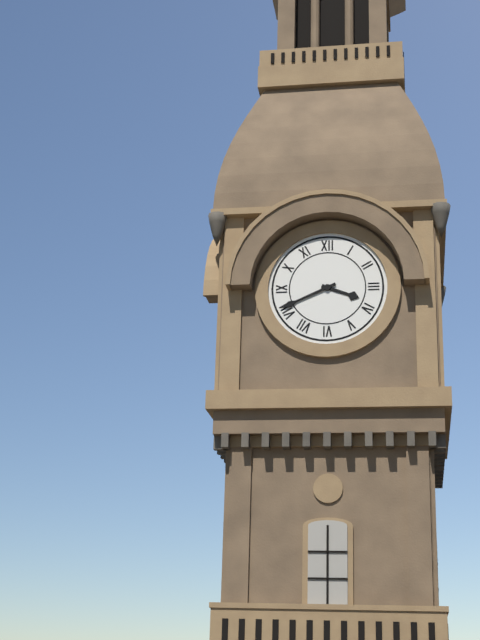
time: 3:41
